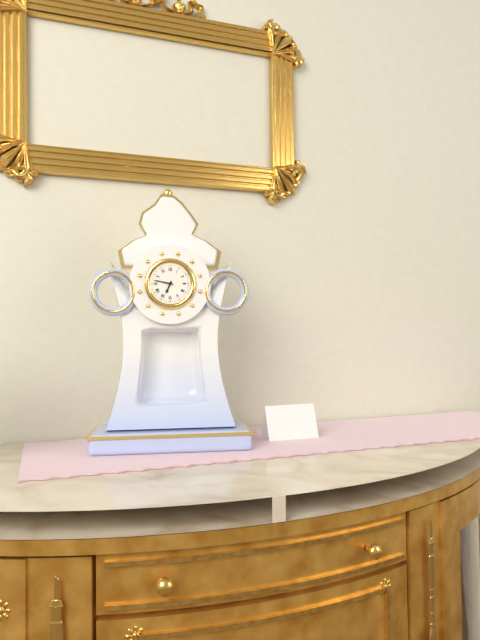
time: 6:47
